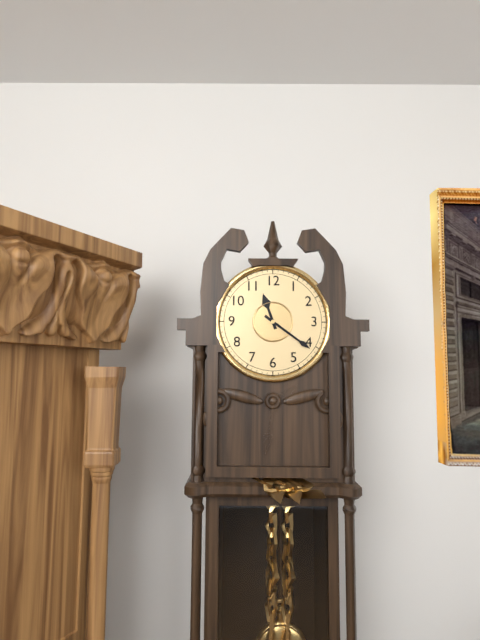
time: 11:21
